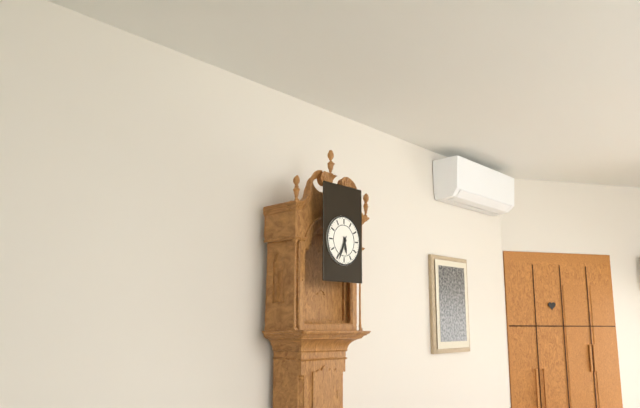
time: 5:34
